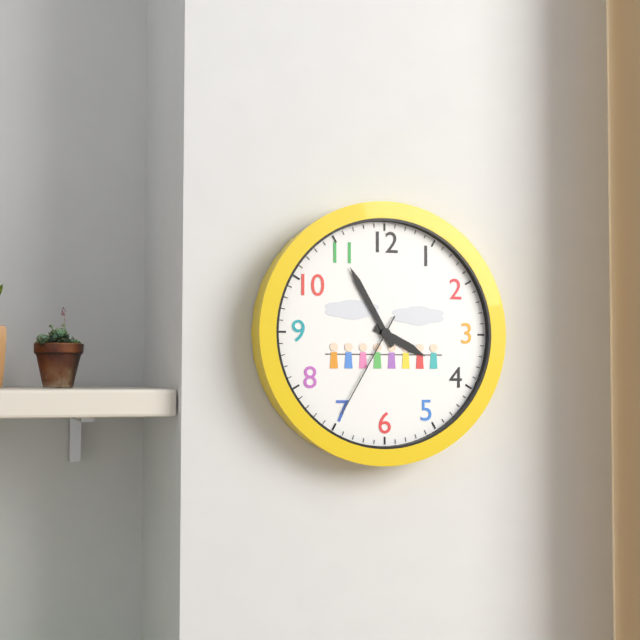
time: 3:55:35
